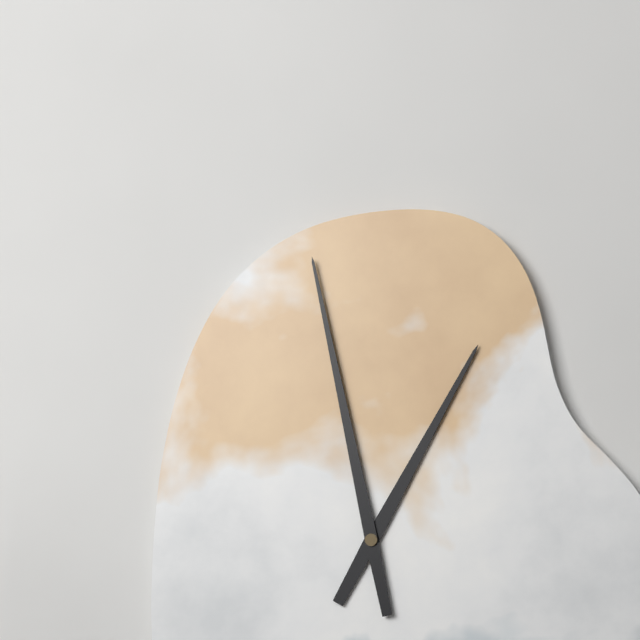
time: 12:58
